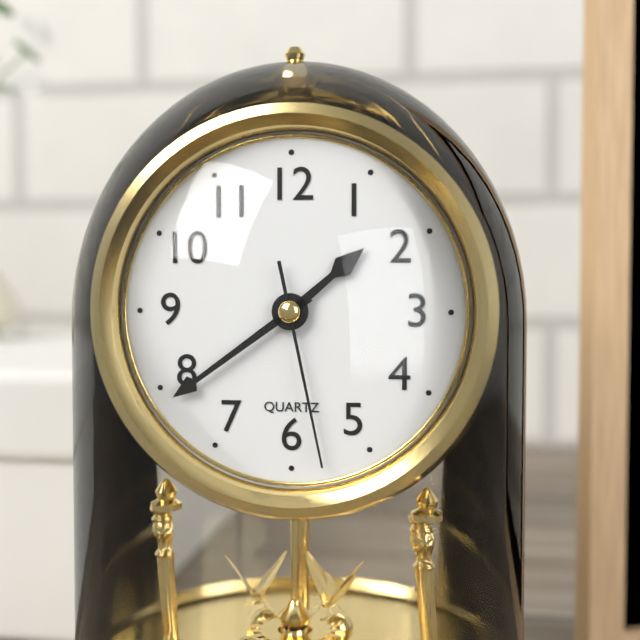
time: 1:39:28
